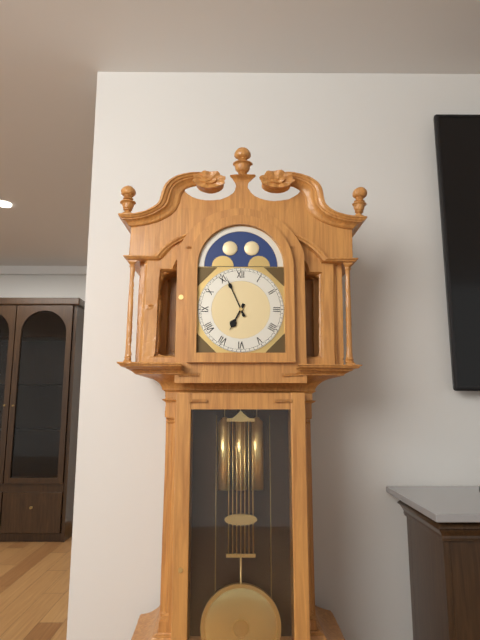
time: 6:56
